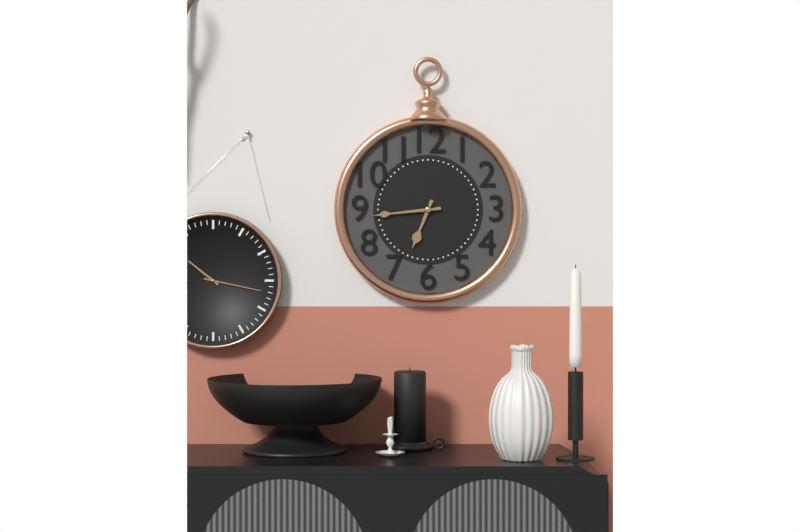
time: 6:44
